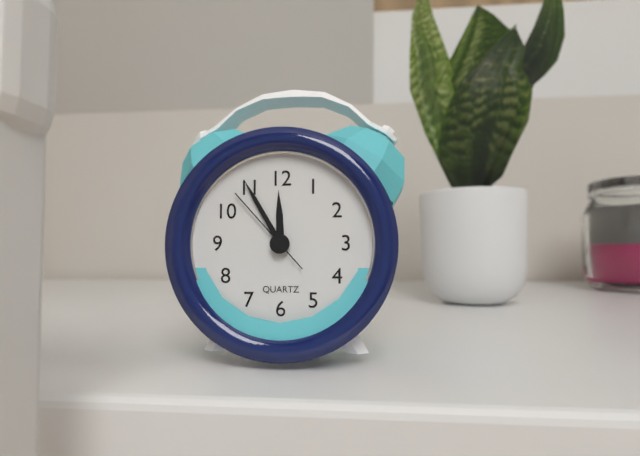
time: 11:55:53
